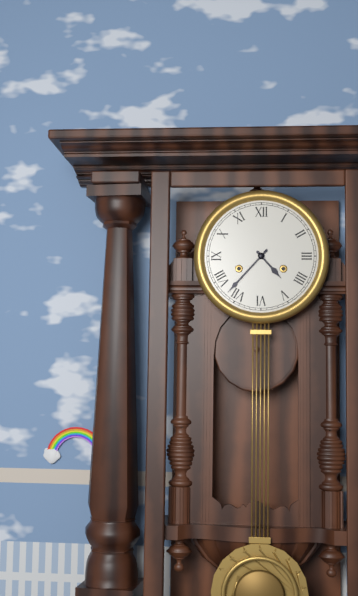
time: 4:37
